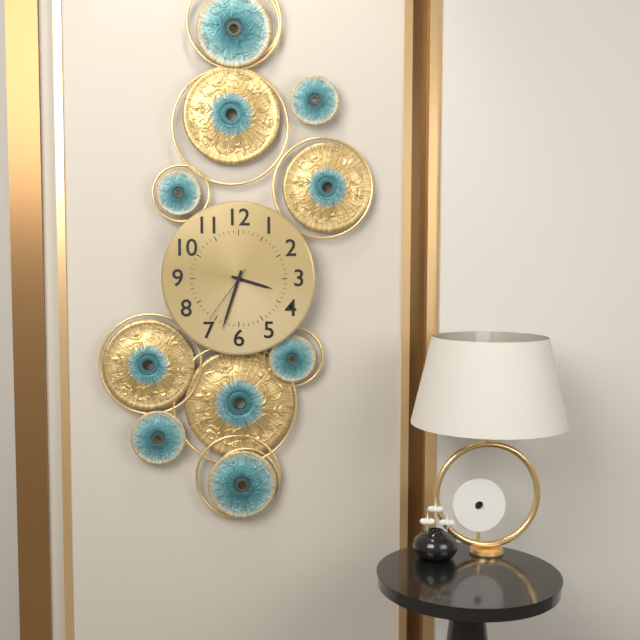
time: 3:33:36
